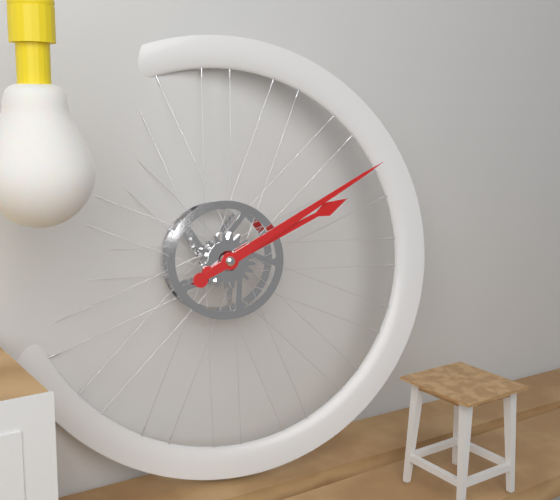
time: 2:10
